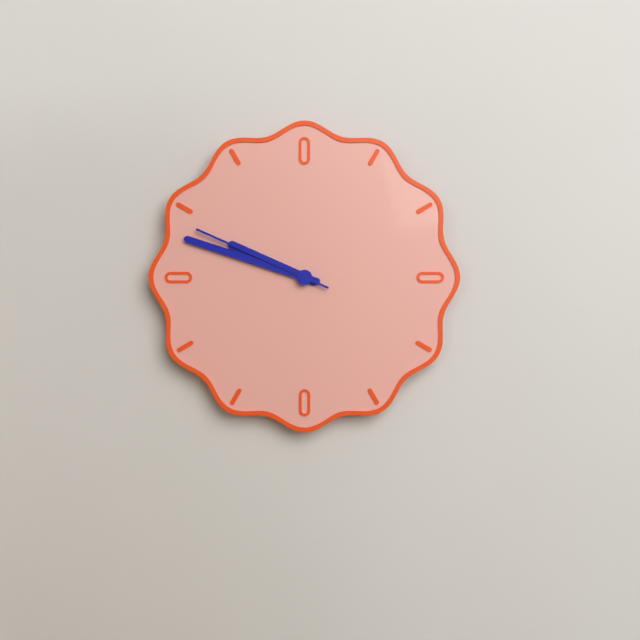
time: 9:48:49
